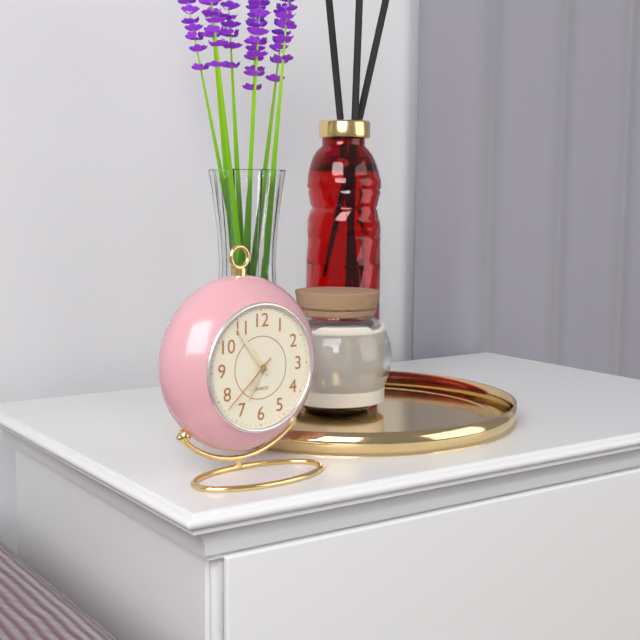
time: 6:54:38
